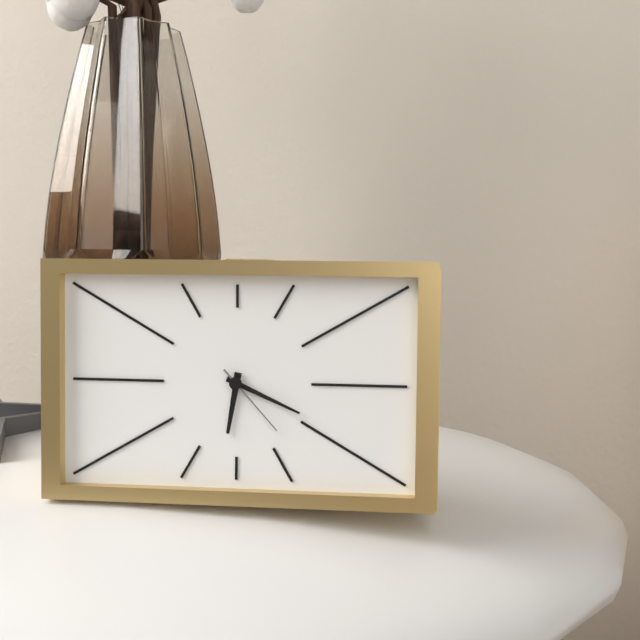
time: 6:19:23
